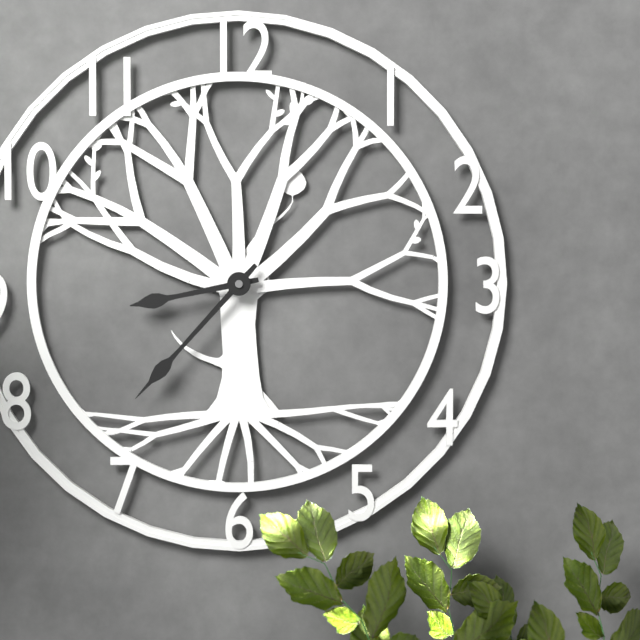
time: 8:37
